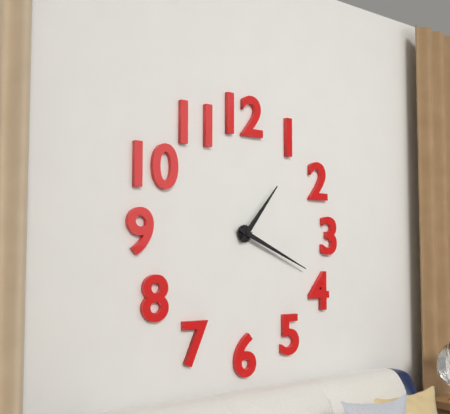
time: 1:19
